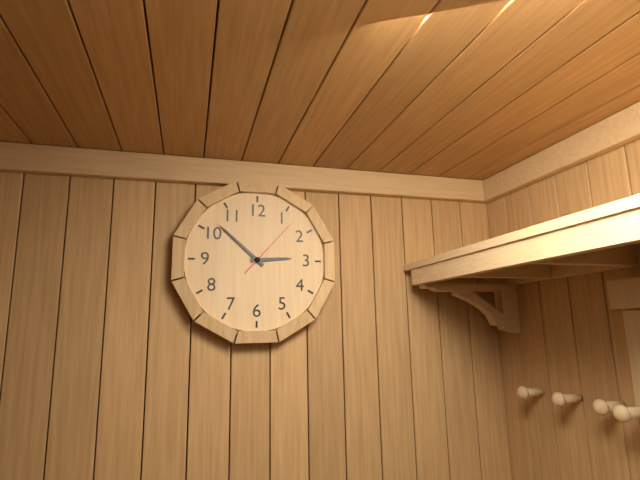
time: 2:52:07
